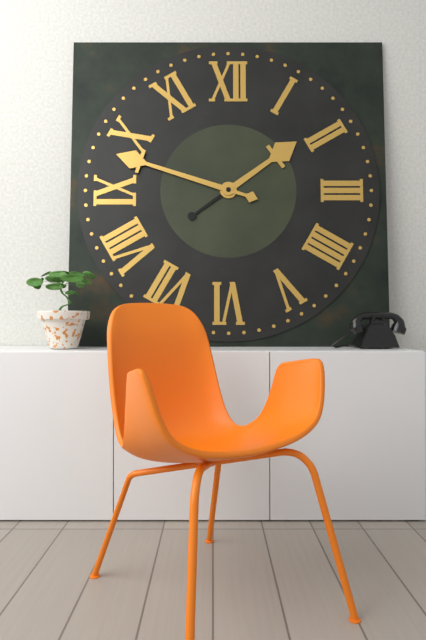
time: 1:48
